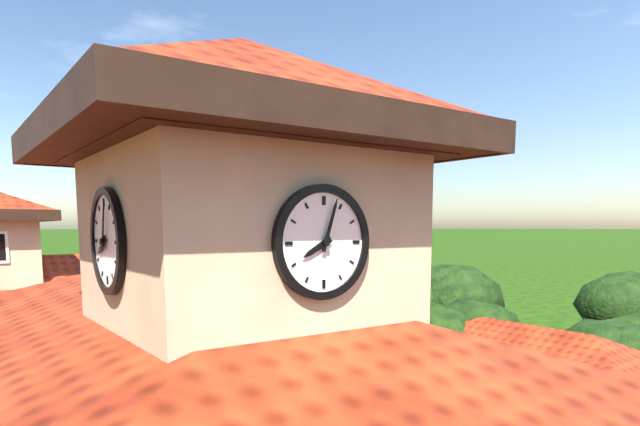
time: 8:03
